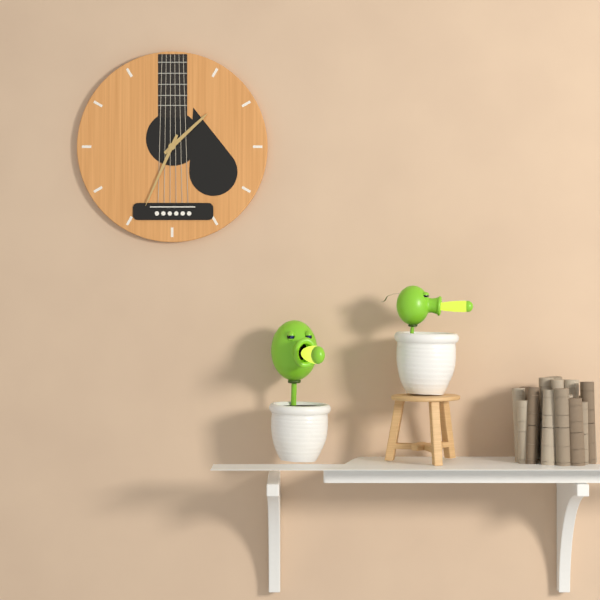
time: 1:34
